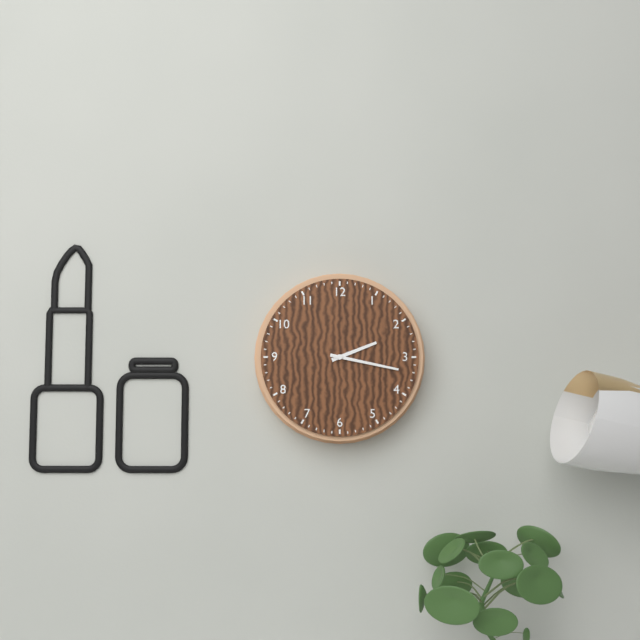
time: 2:17
